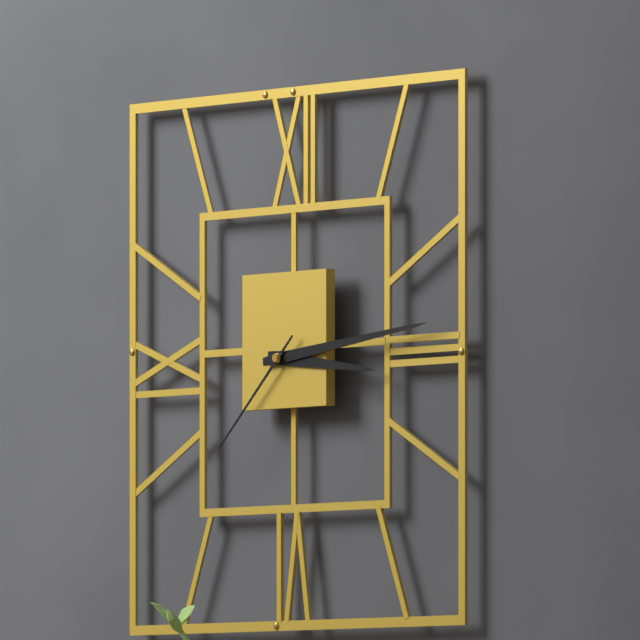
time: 3:14:38
